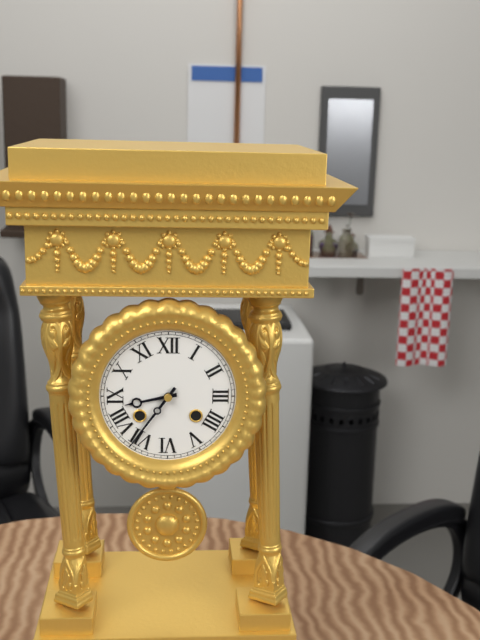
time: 8:36
